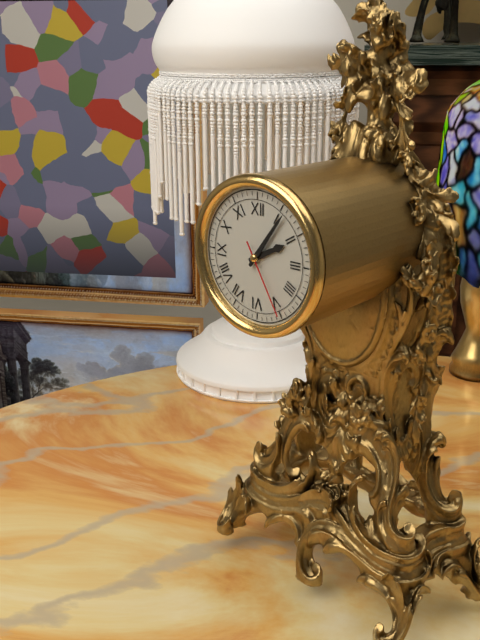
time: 2:06:25
